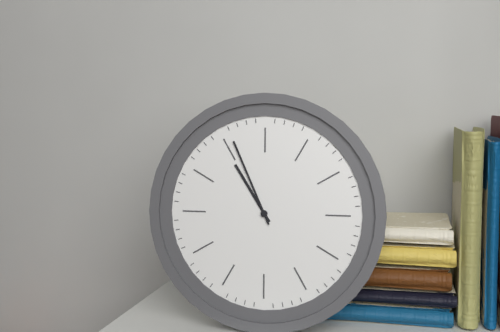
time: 10:56
